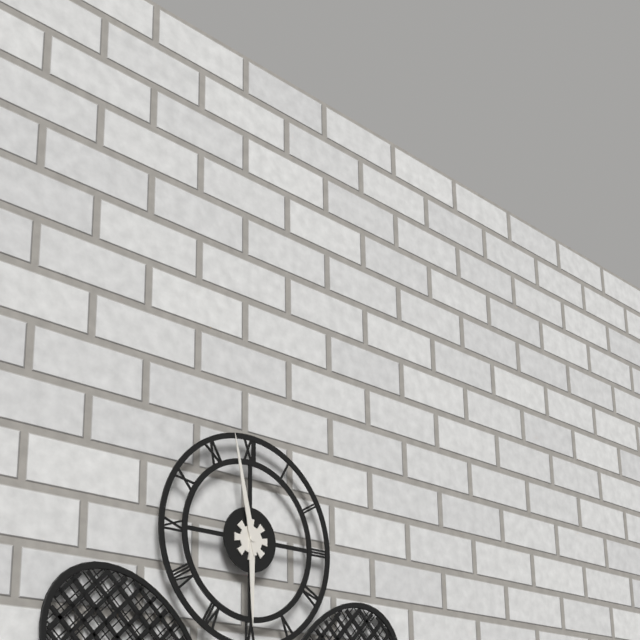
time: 5:58
